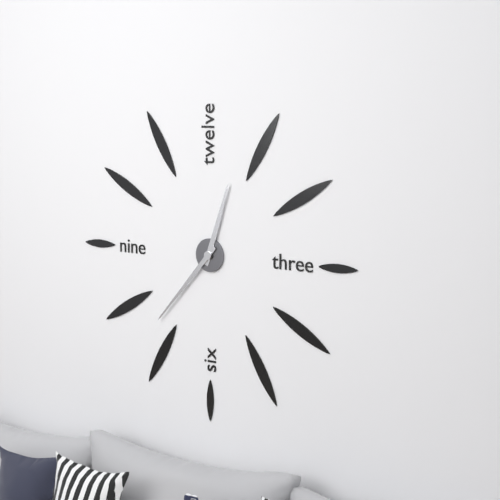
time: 12:37
